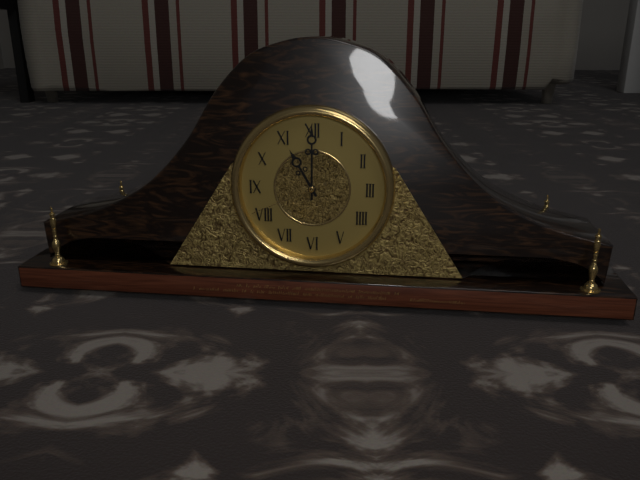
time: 11:00:41
